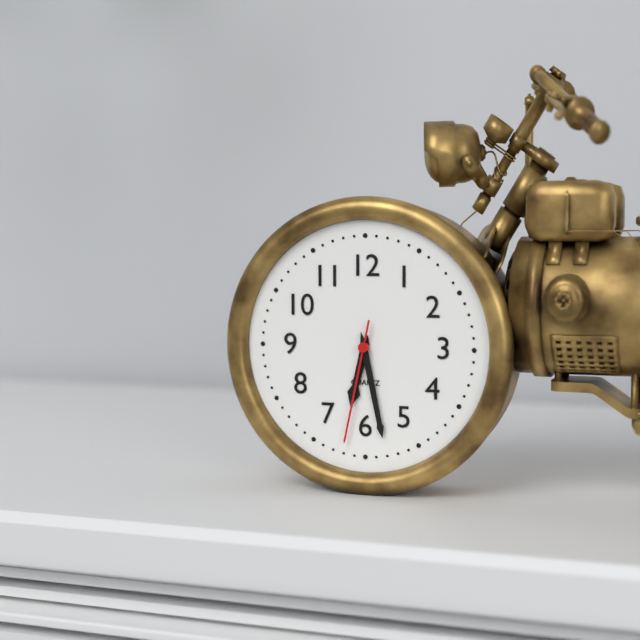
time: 6:28:32
